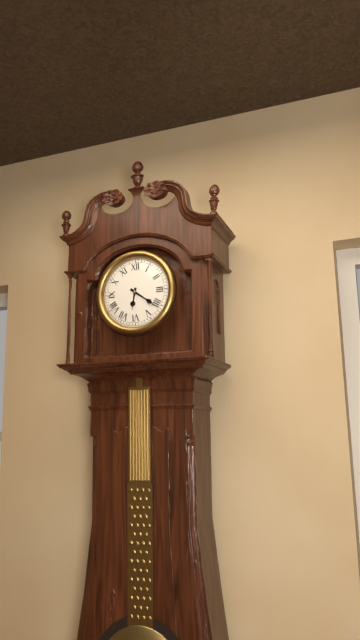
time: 6:21
